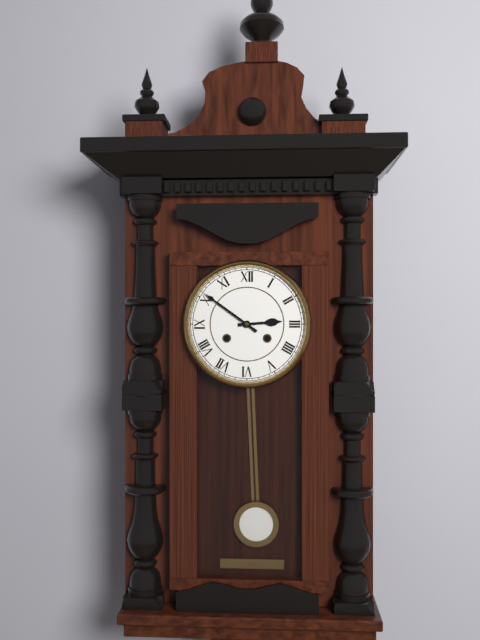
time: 2:51
